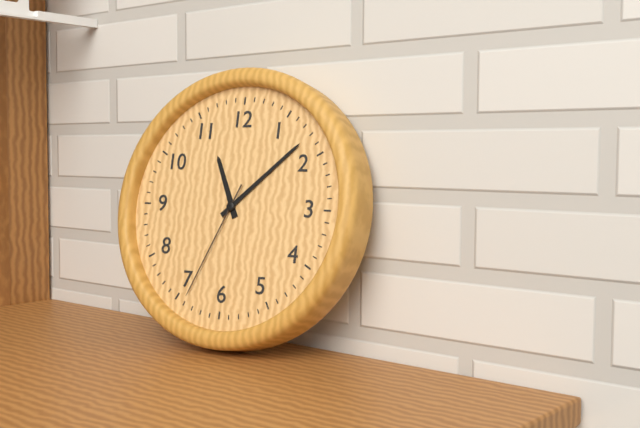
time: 11:08:34
